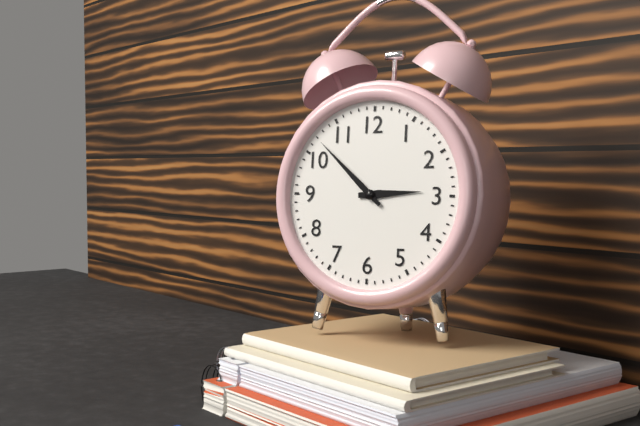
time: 2:52
